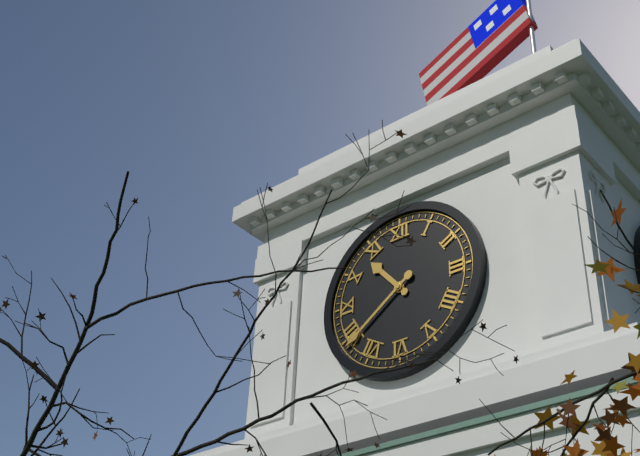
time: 10:39
